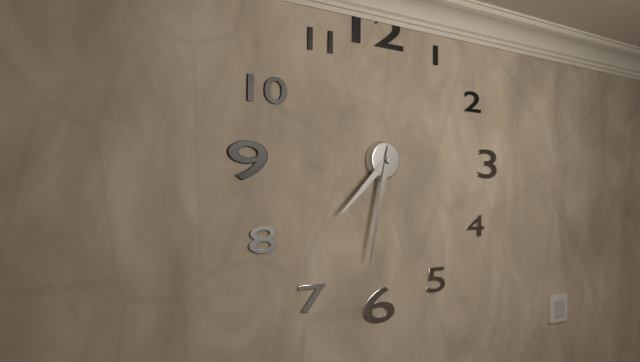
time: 7:32
